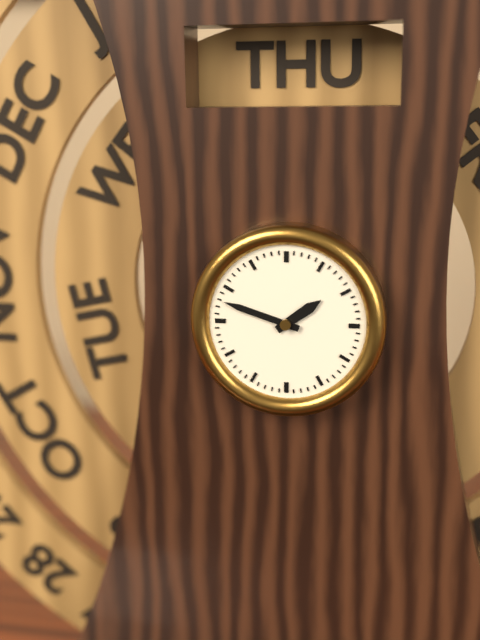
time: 1:48
